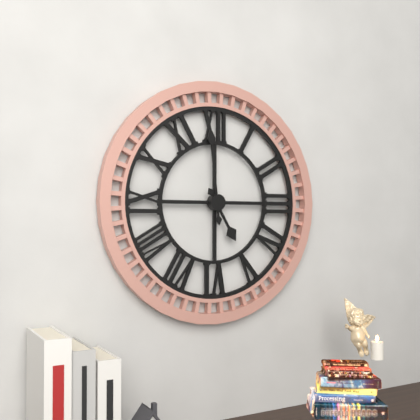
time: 4:59
